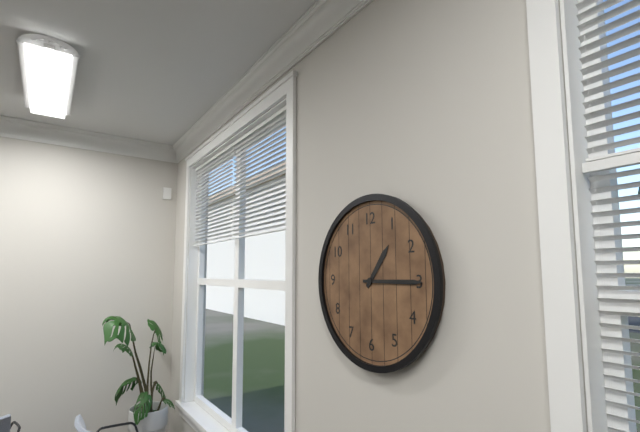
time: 1:15
